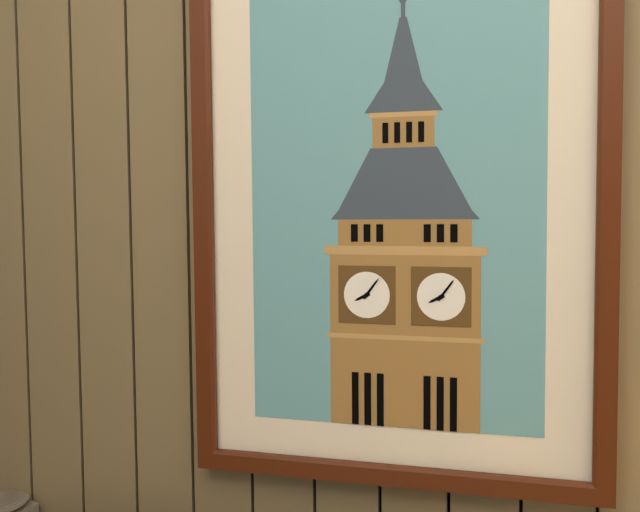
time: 8:06
